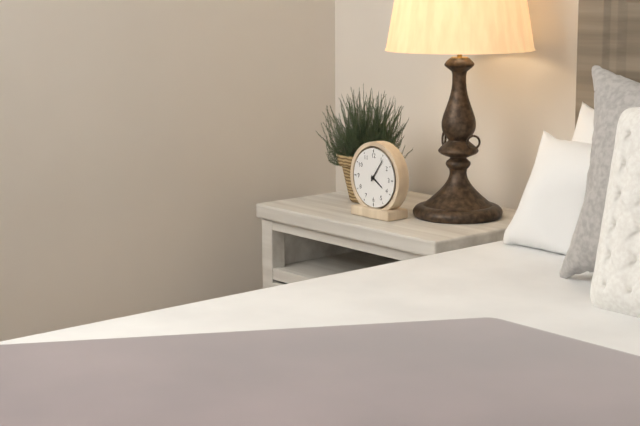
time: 4:06
